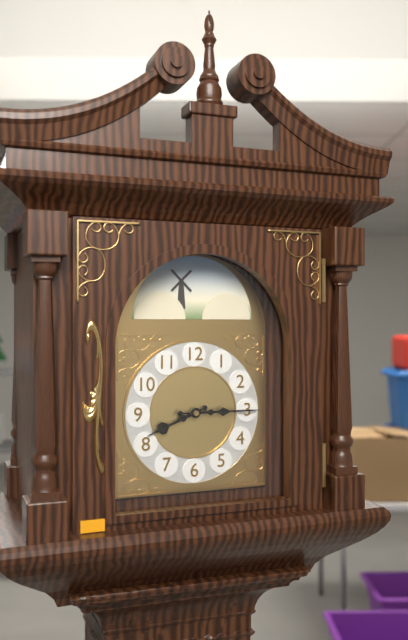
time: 8:15
